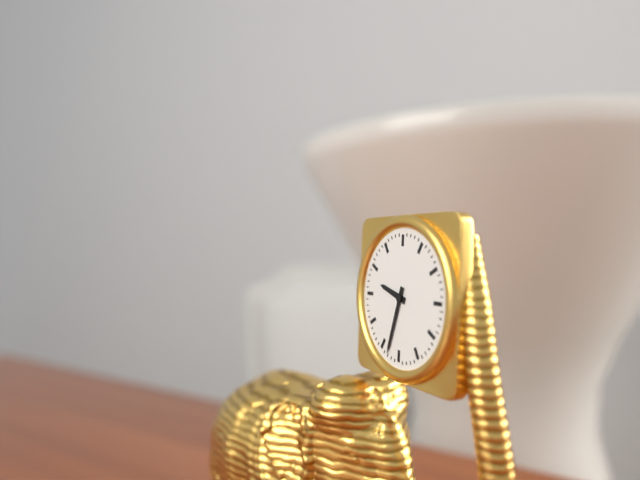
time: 9:33
